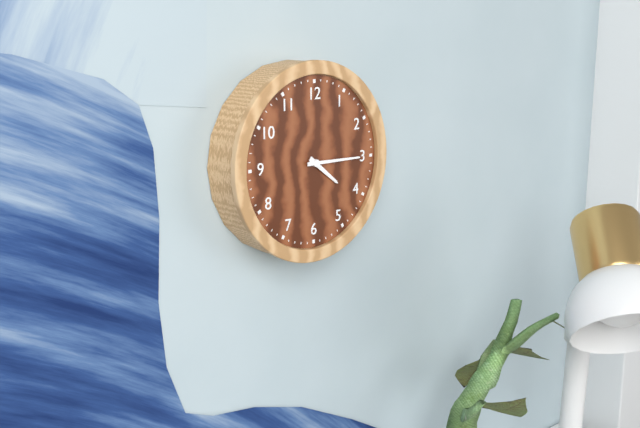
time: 4:15
